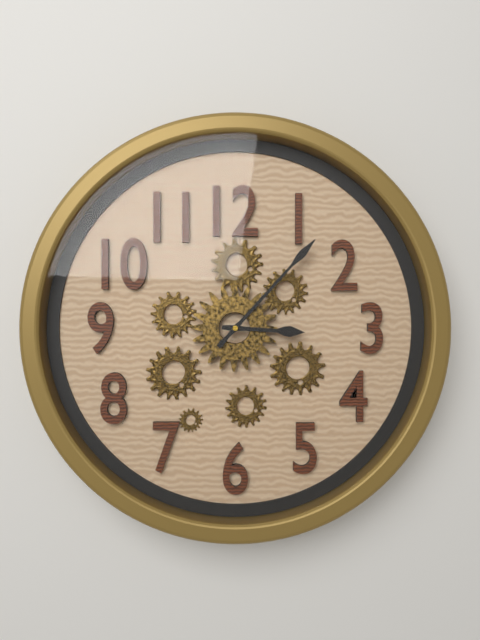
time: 3:07
